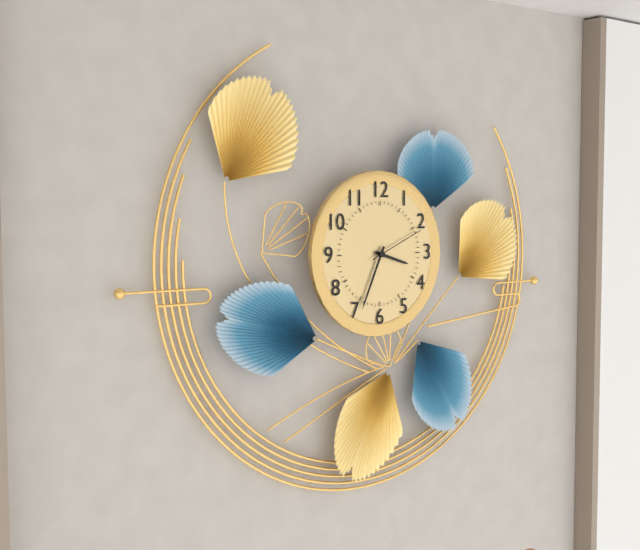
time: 3:34:11
